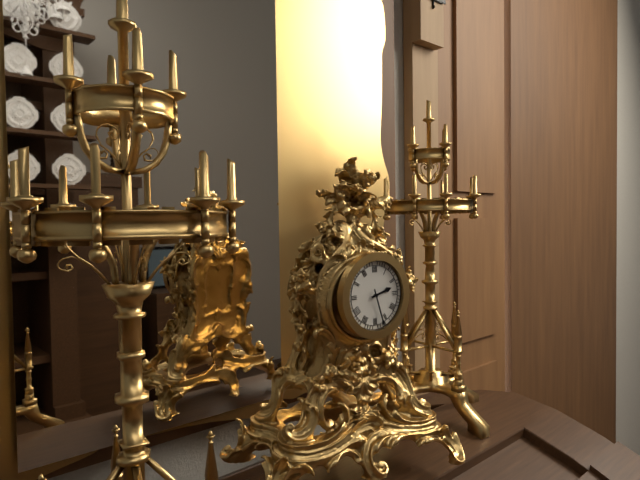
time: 2:27
